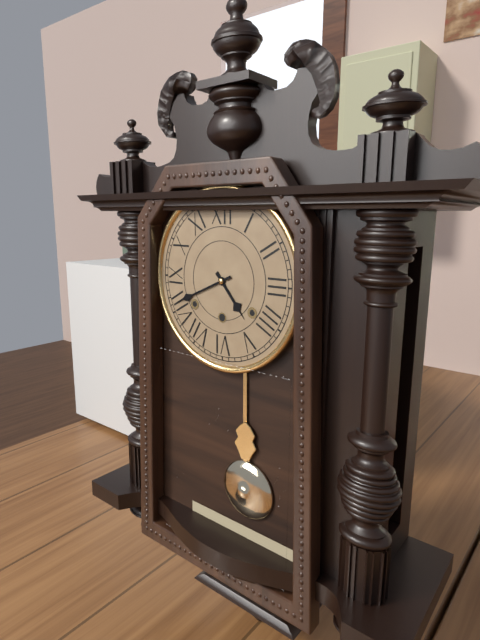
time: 4:41
